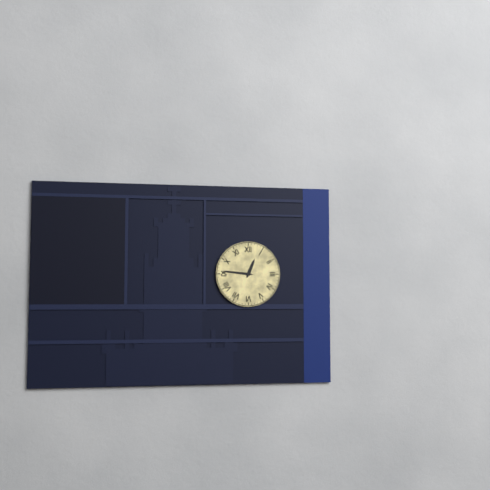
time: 12:46
